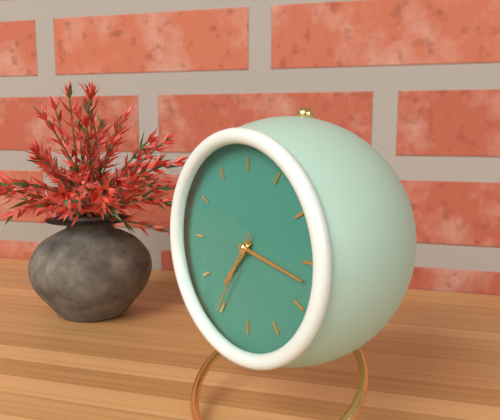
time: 7:17:35
